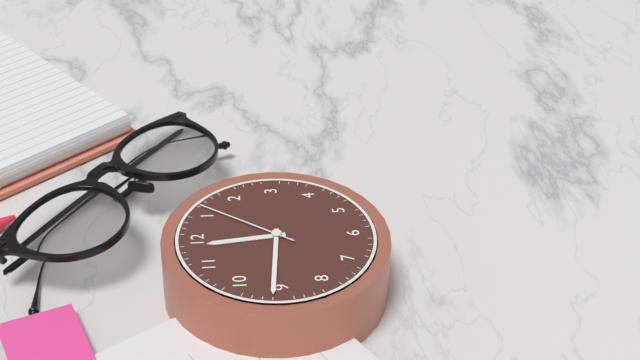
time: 11:46:06
